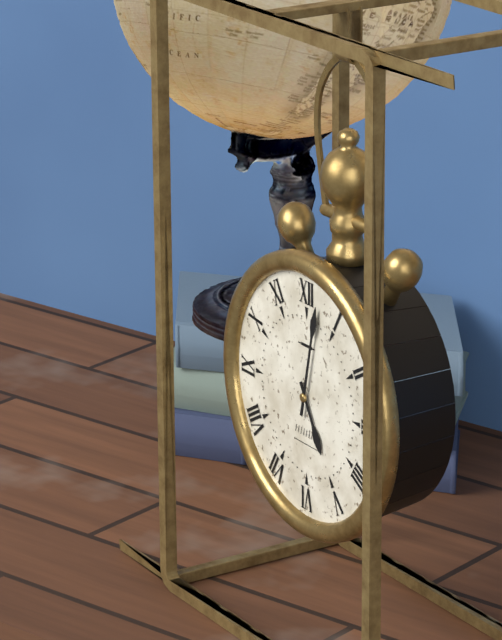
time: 5:02
